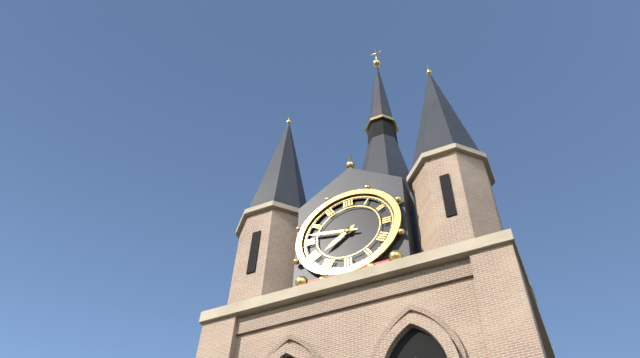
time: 7:47
